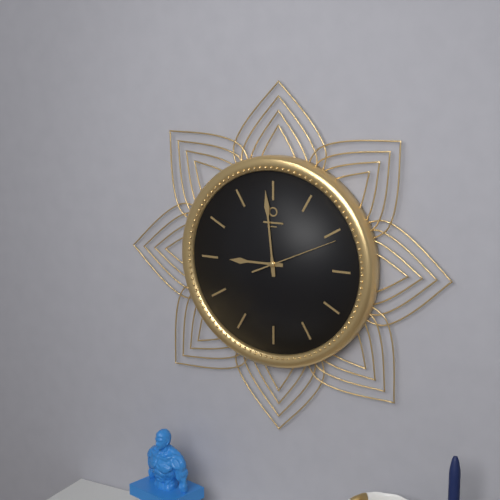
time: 8:59:11
